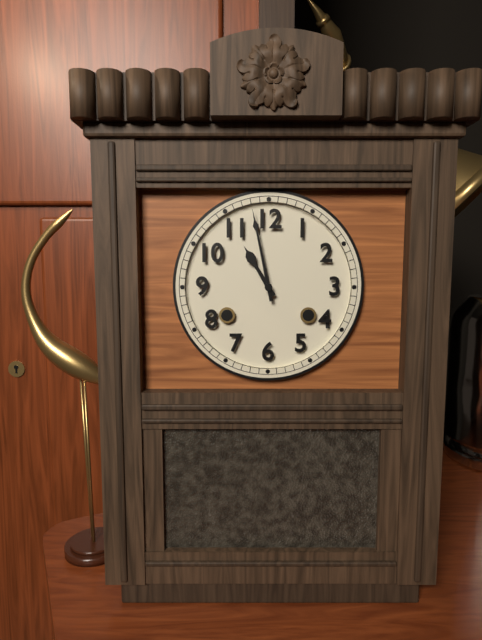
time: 10:58
